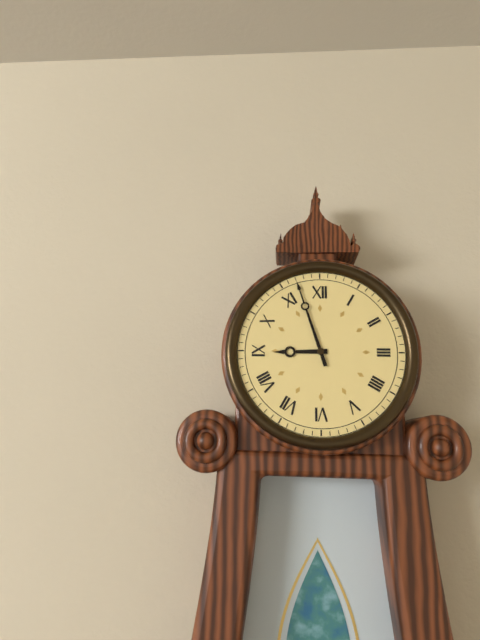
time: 8:57
